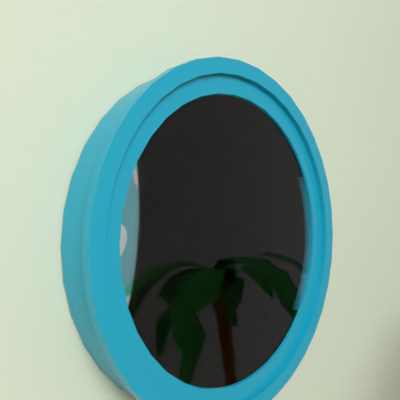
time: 6:07:32
